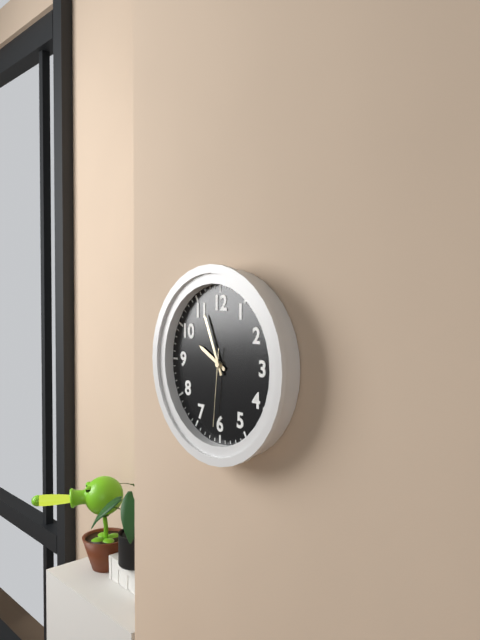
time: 9:56:31
